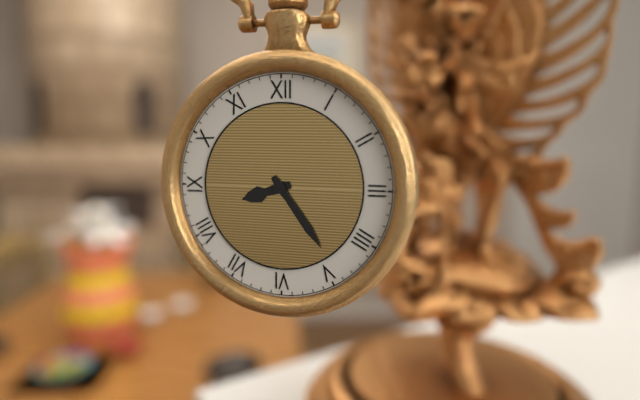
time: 8:24
